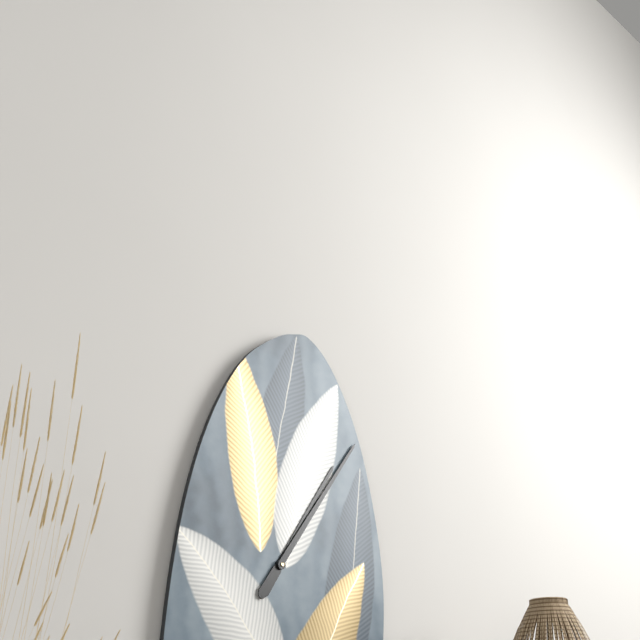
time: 1:06
